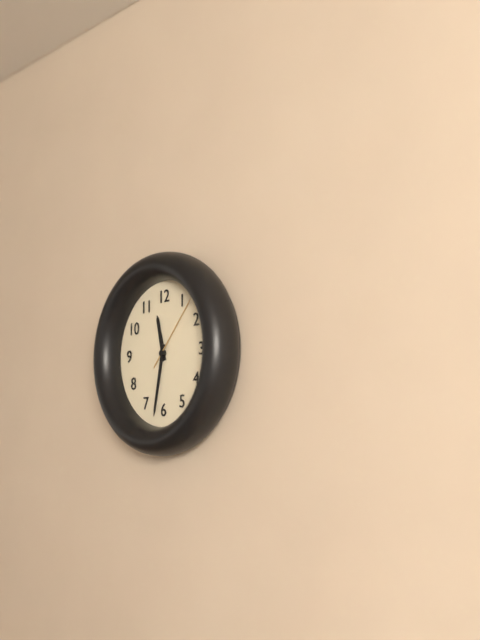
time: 11:32:07
